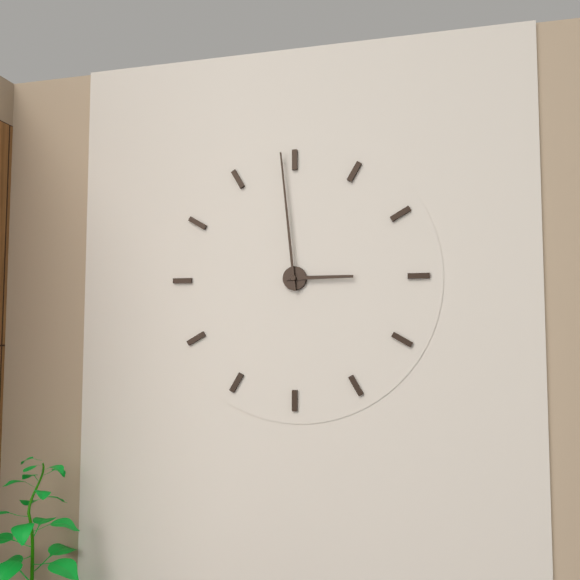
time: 2:59
